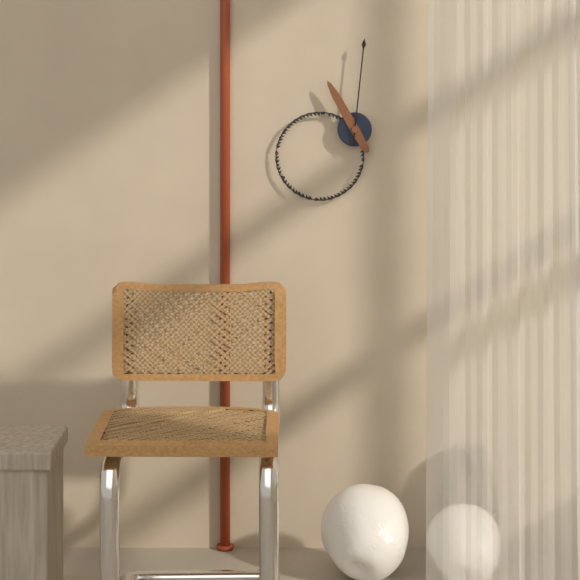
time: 11:01
